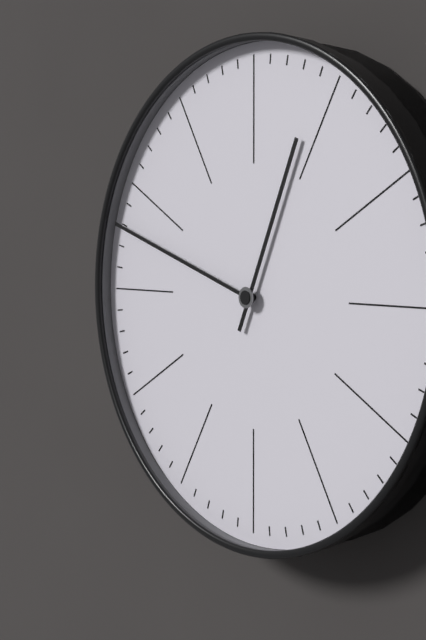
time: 12:48
